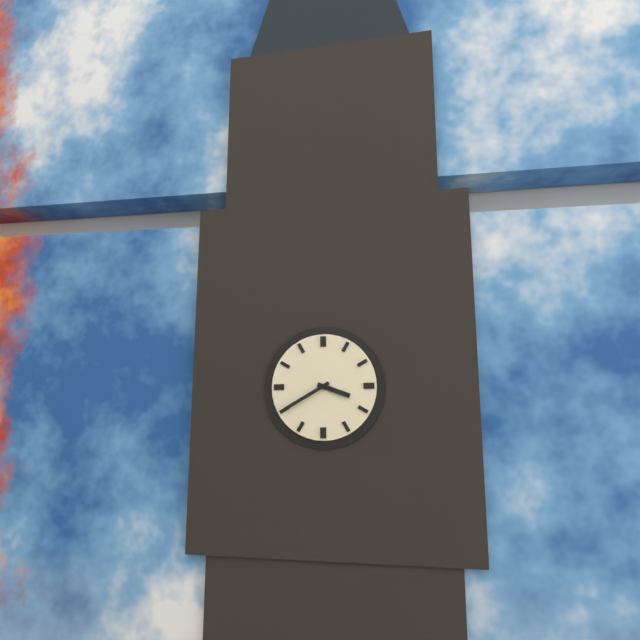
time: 3:40
